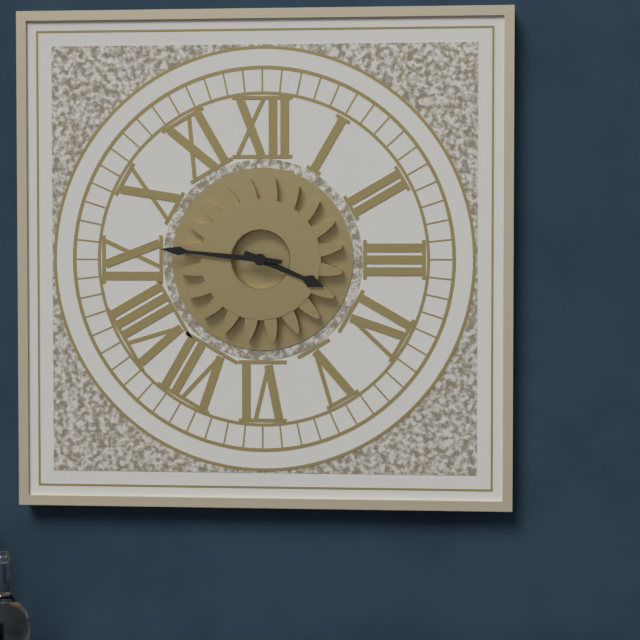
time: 3:46
